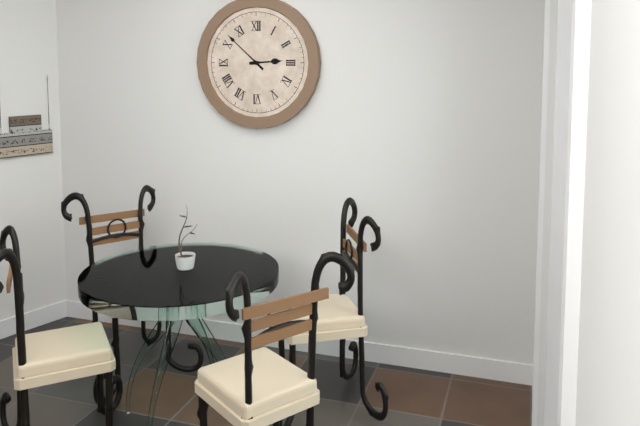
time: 2:52
